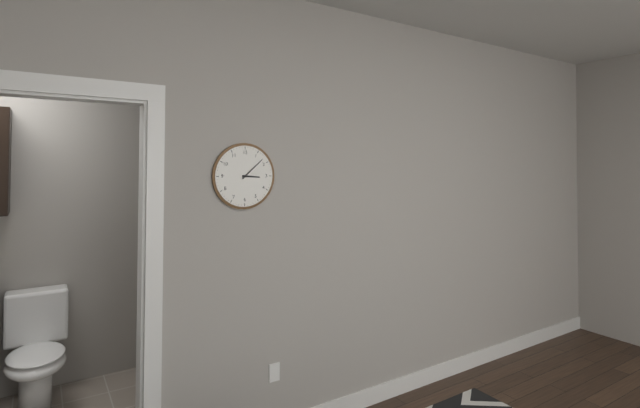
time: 3:08
